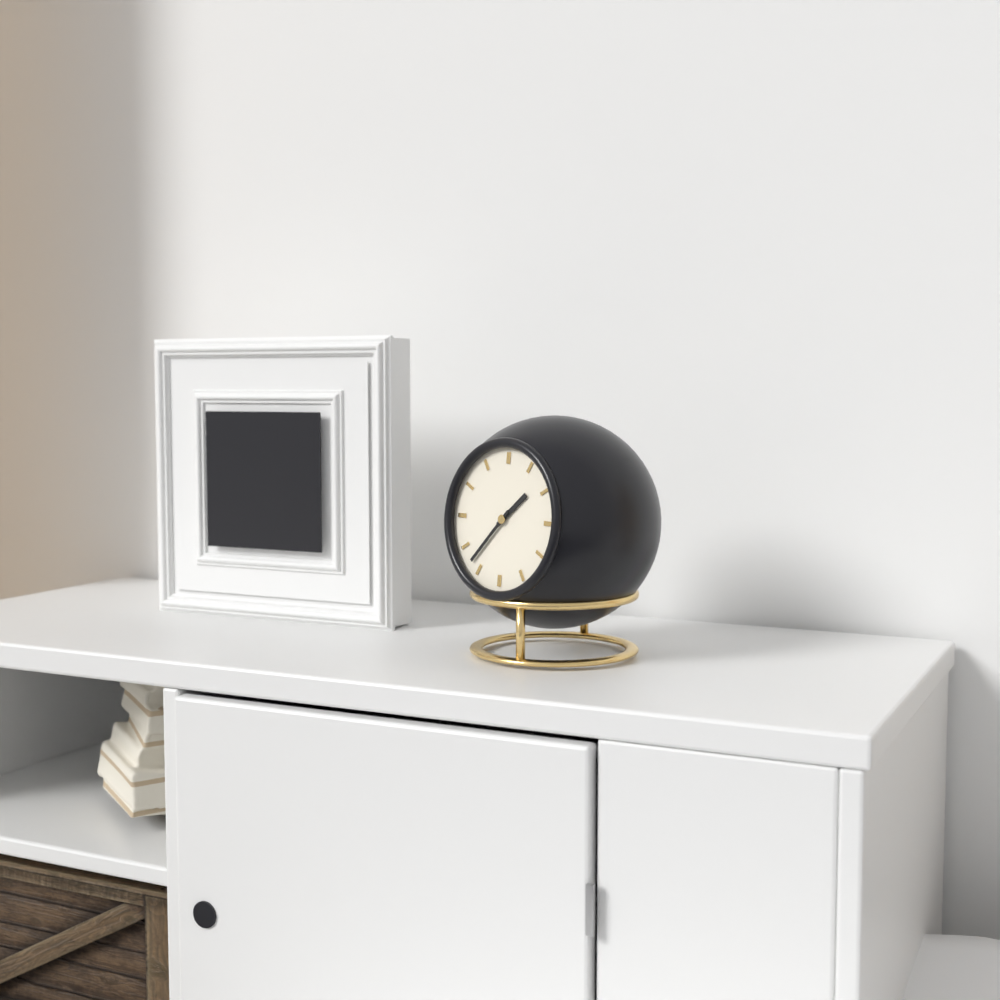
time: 1:37
